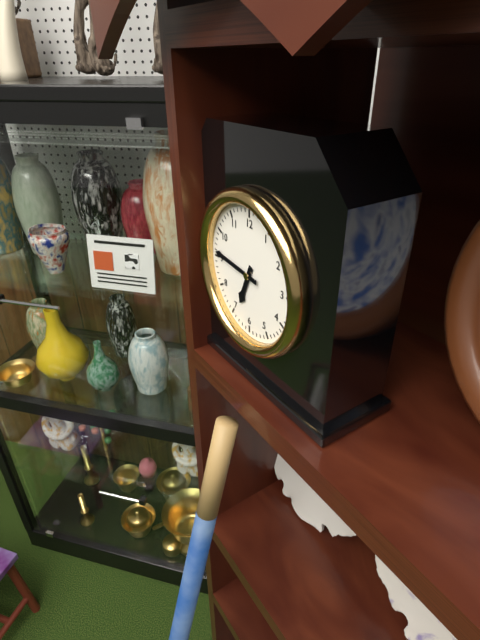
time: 6:46
